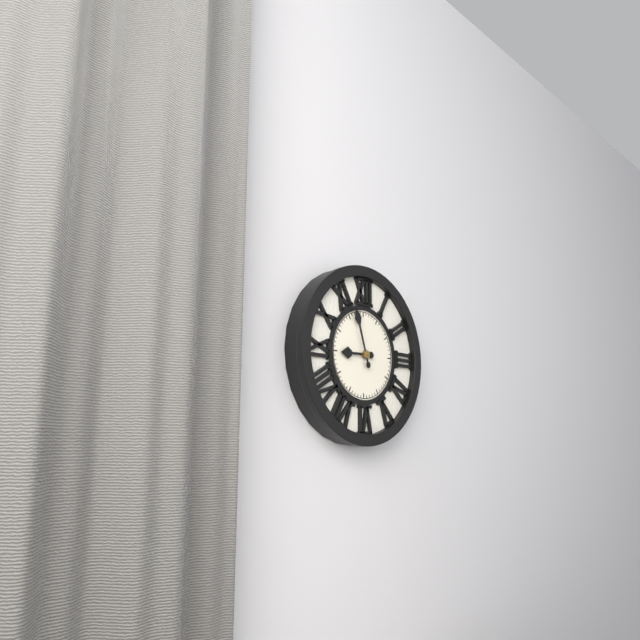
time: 8:57
